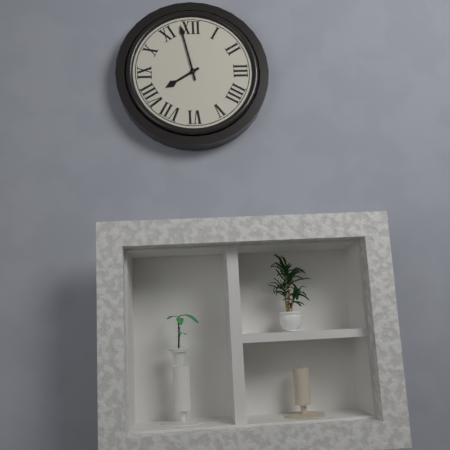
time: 7:58
